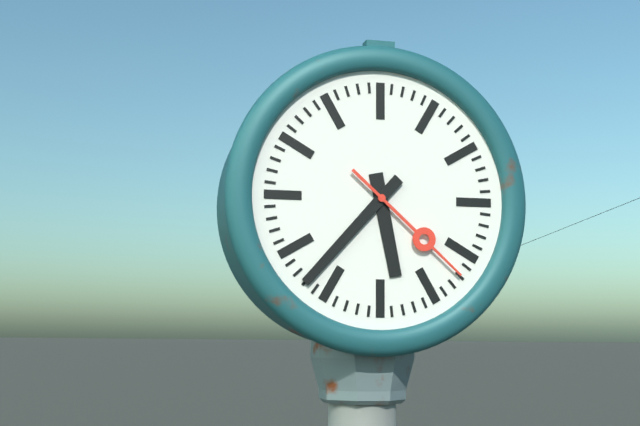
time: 5:37:22
